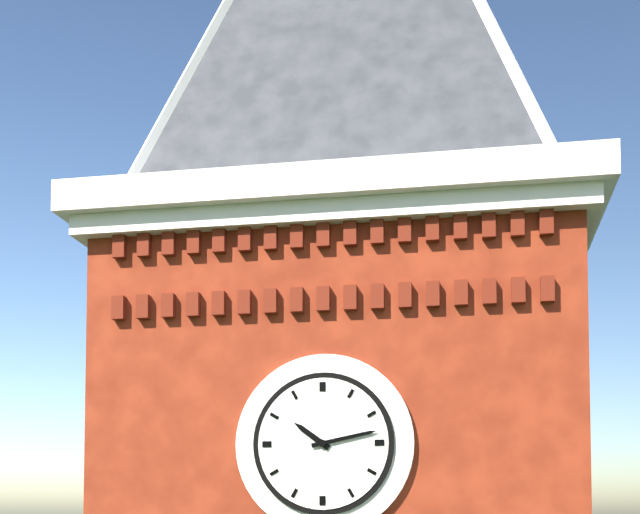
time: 10:13
